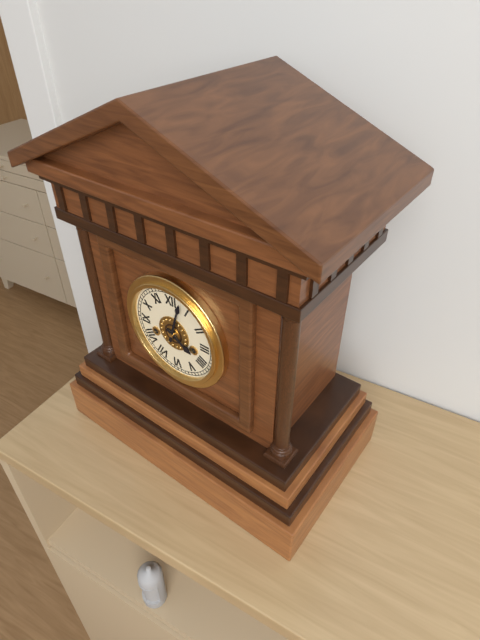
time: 4:03
